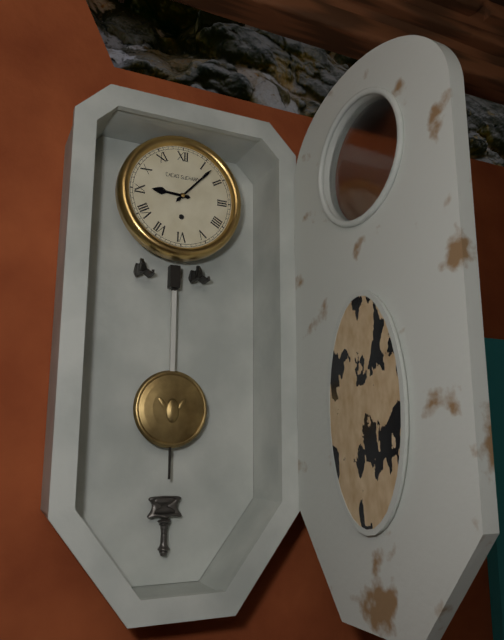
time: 9:07
